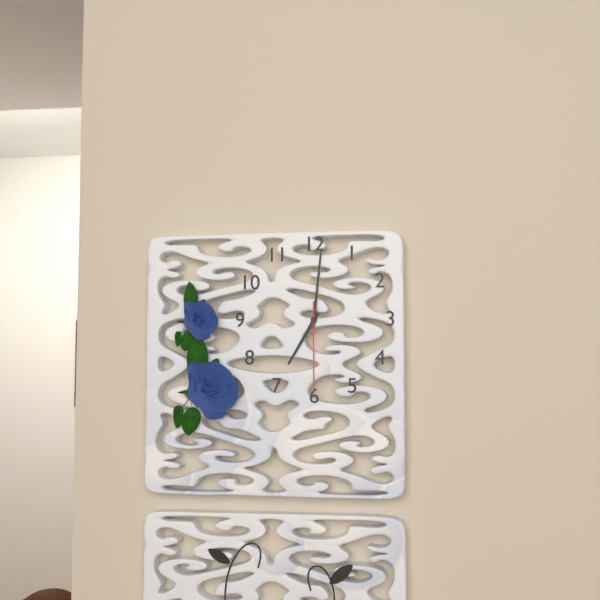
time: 7:01:30
